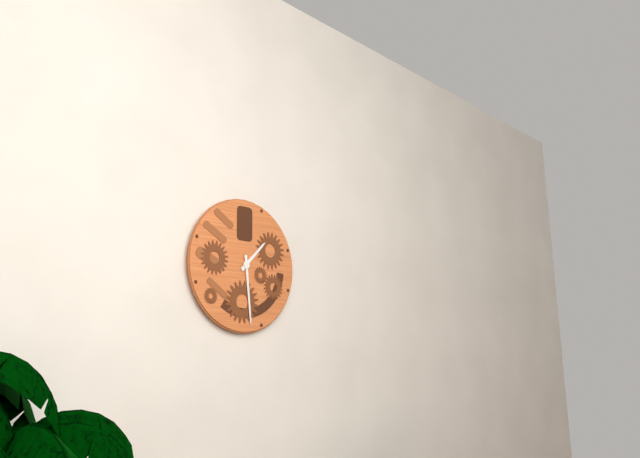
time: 1:29
